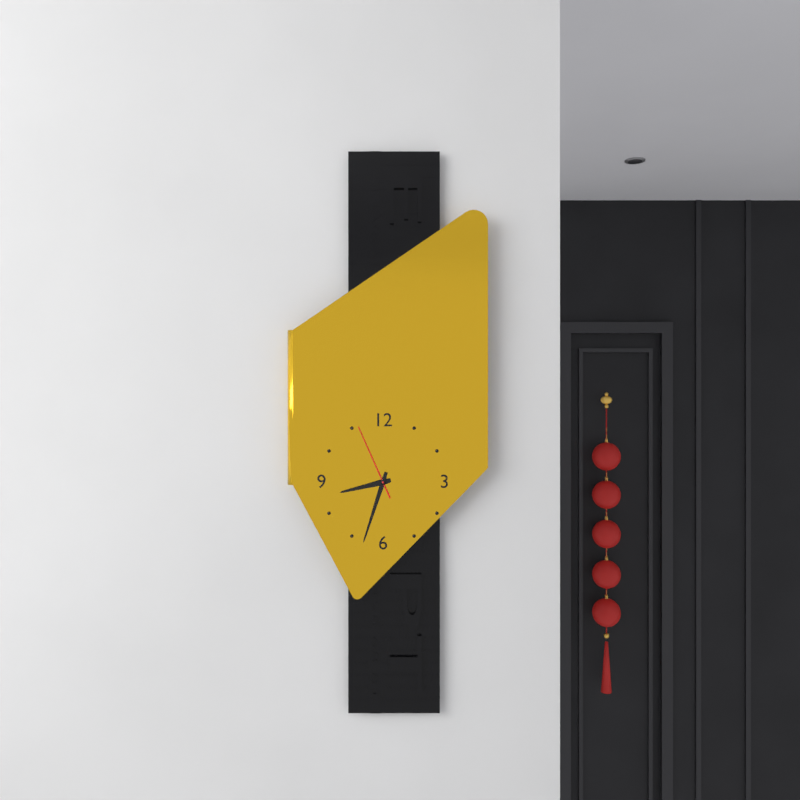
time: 8:33:56
